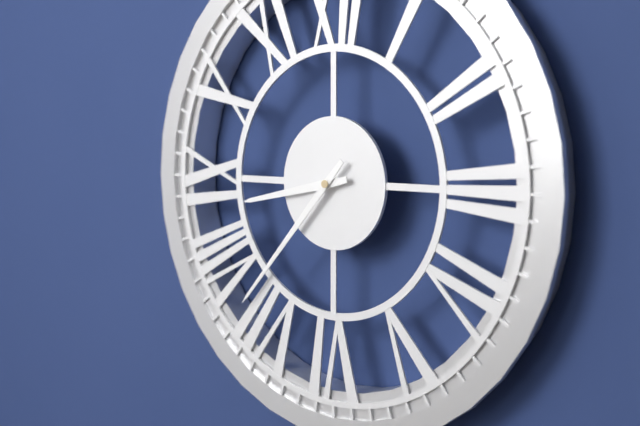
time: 8:37
